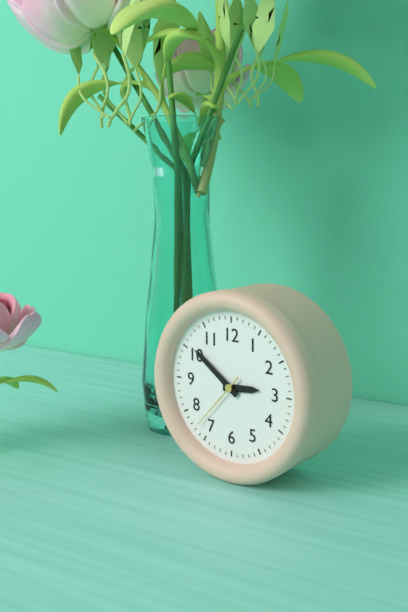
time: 2:51:37
